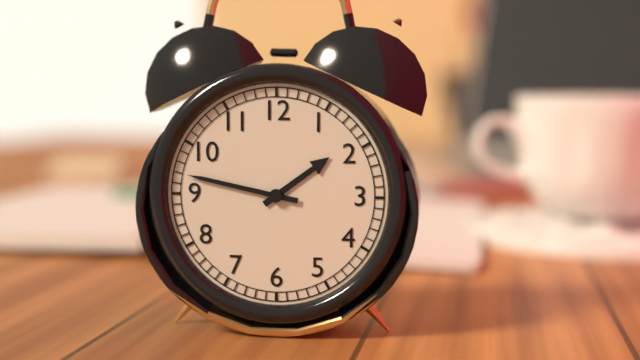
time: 1:47
